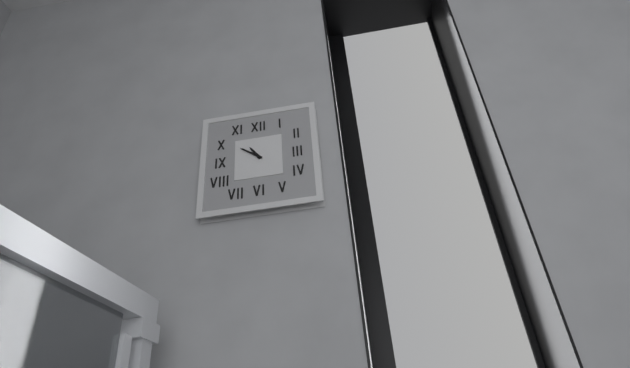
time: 10:51
